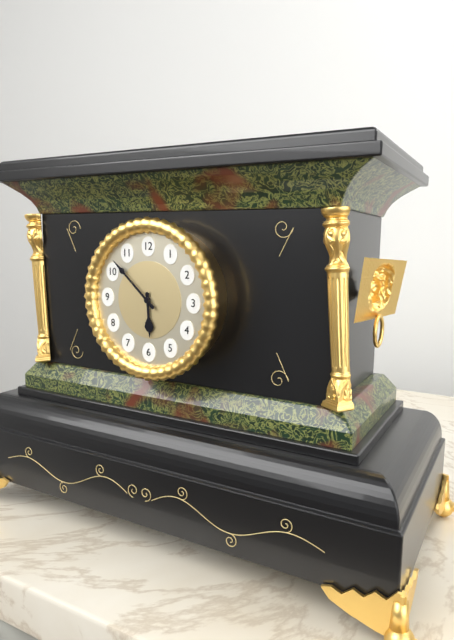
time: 5:52
